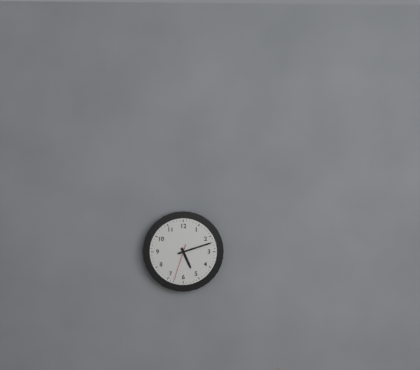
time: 5:12
